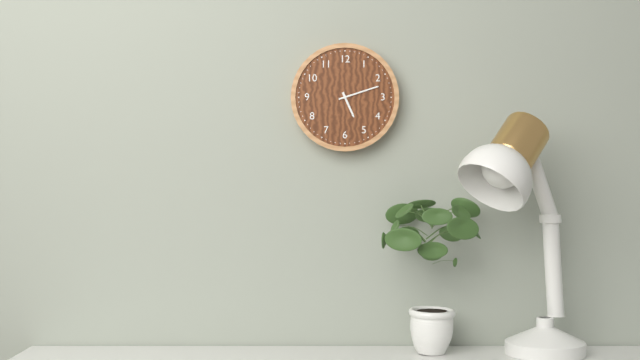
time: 5:12
